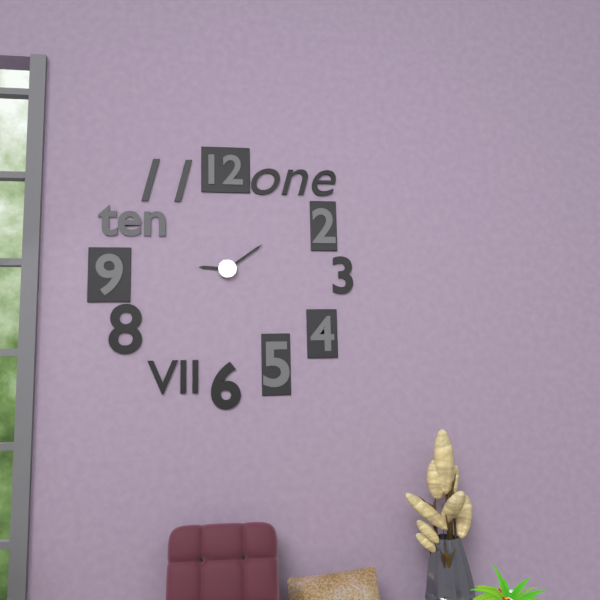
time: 9:09
